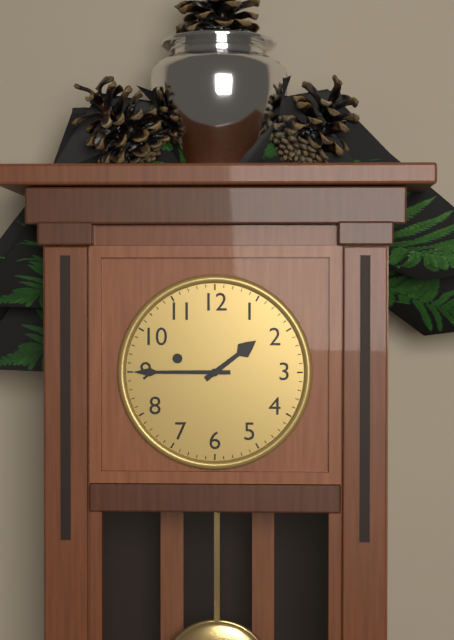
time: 1:45
